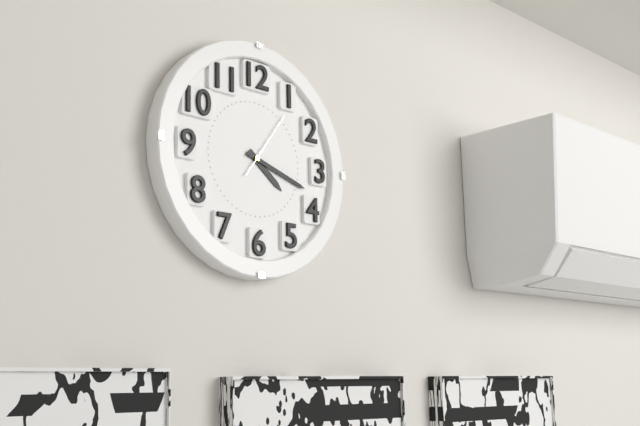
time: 4:18:06
